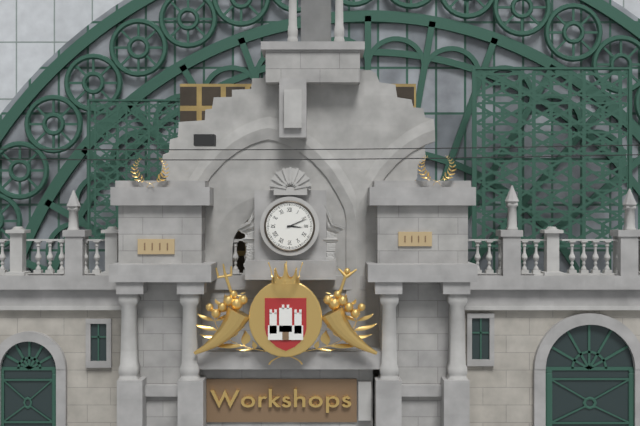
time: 3:11
